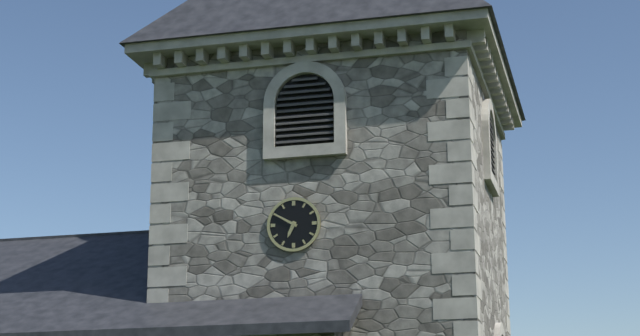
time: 6:50
